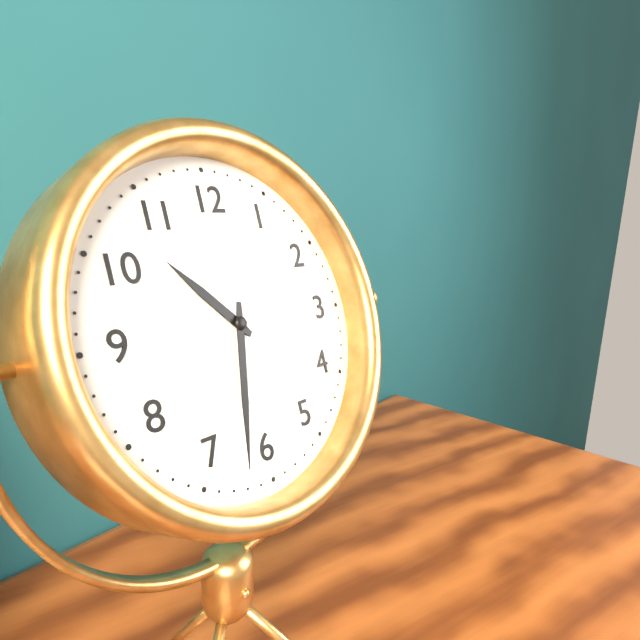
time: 10:32
